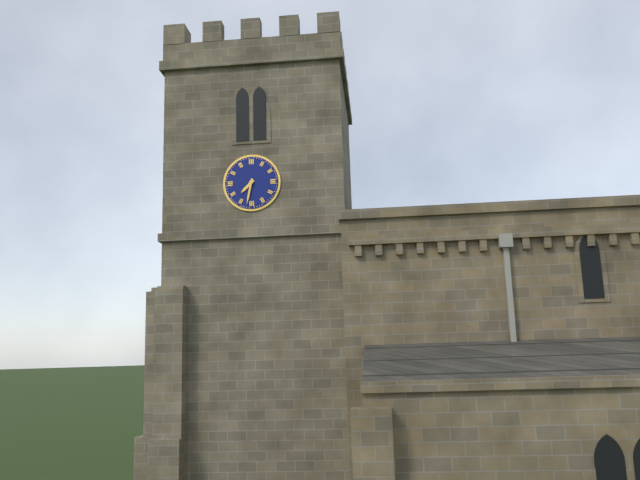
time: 7:32
